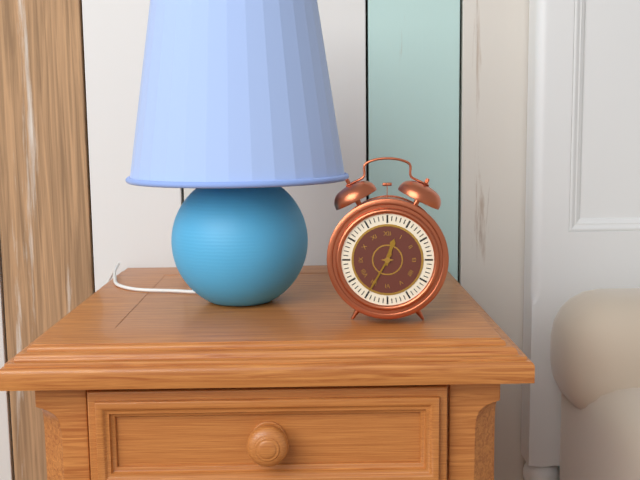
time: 12:35
